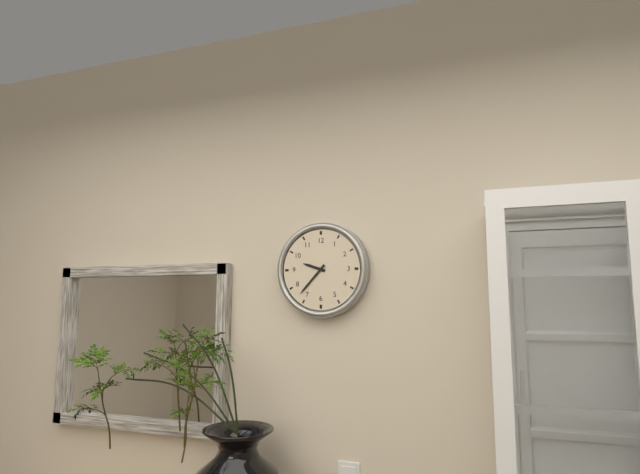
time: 9:37
